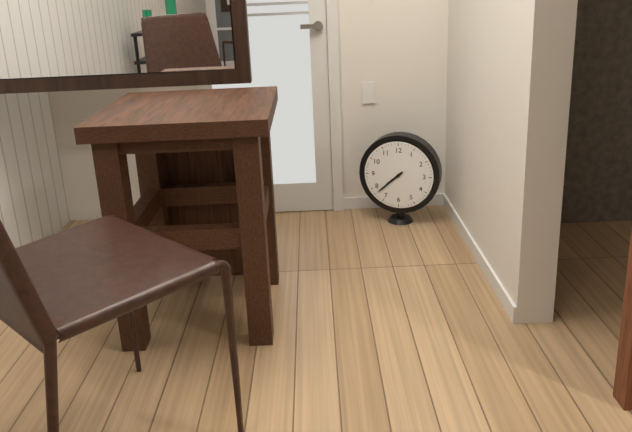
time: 7:38
